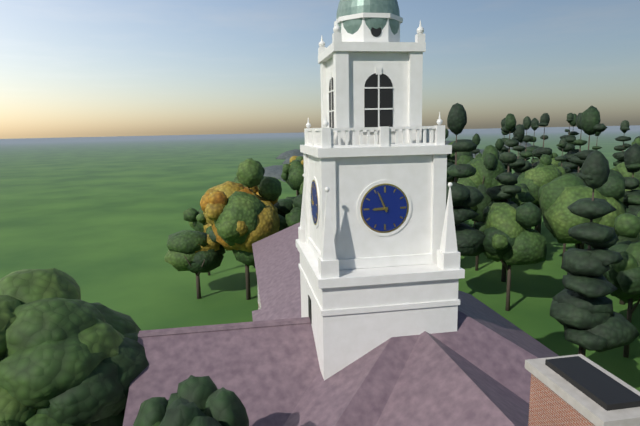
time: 8:56
